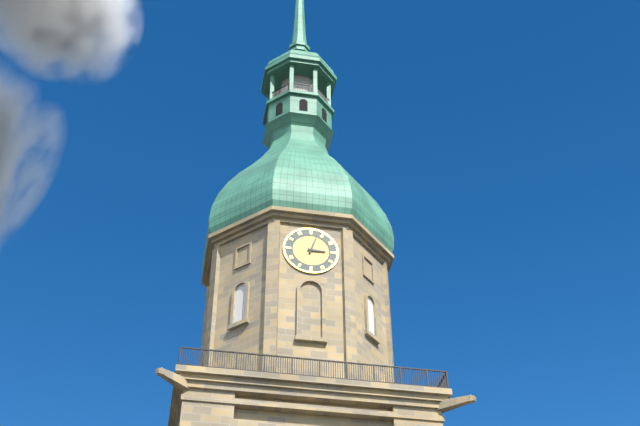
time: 3:03
